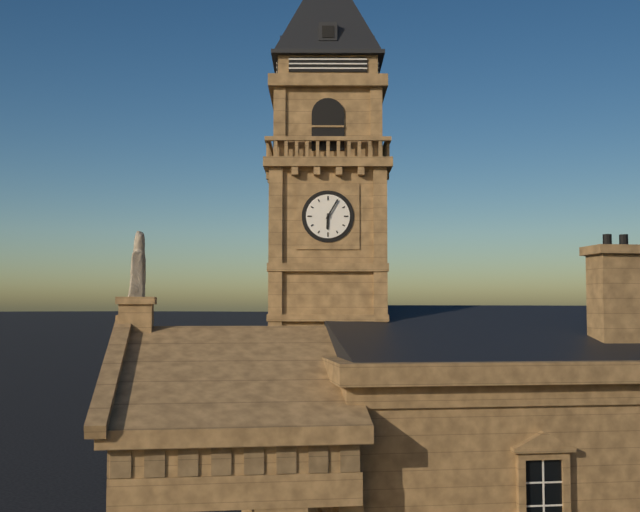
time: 6:05
